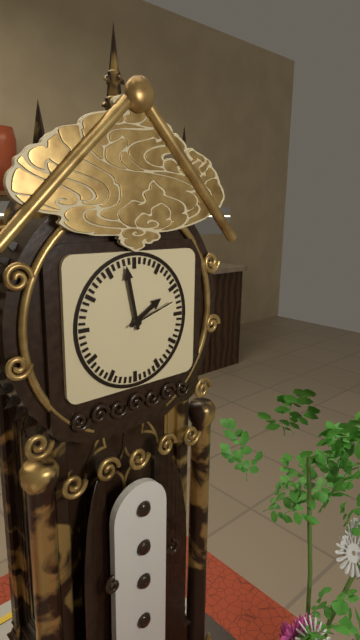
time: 1:58
